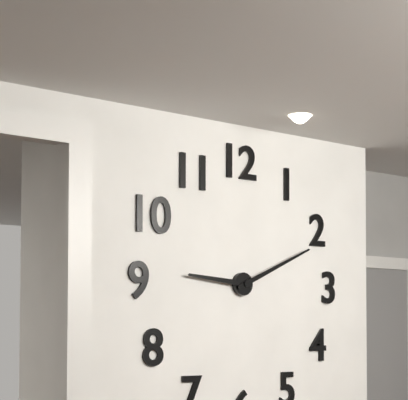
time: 9:11
